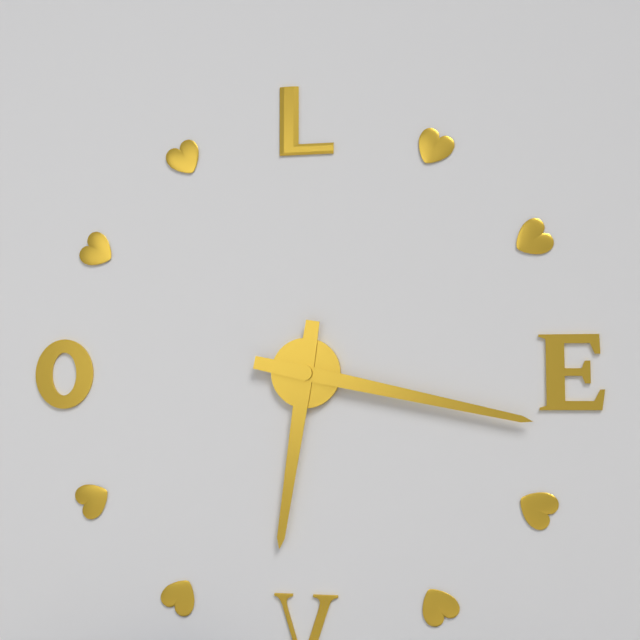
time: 6:17
